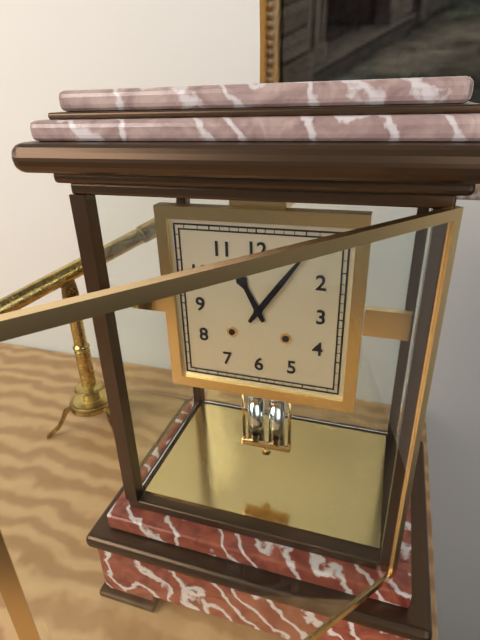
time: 11:06
